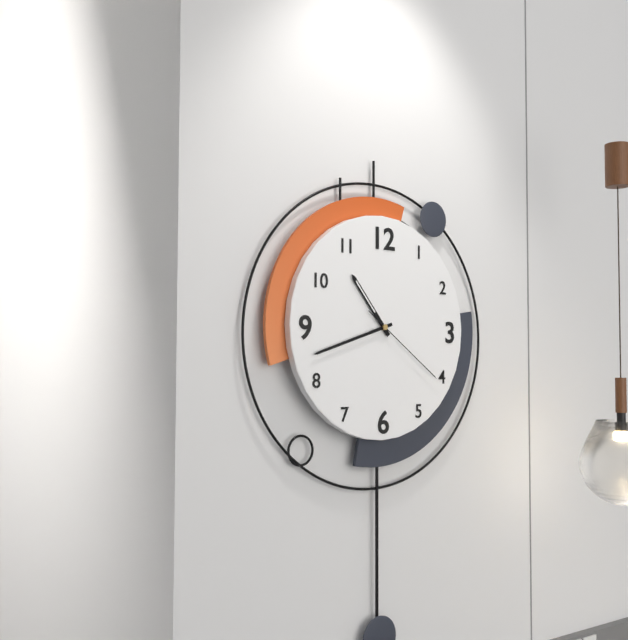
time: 10:42:21
